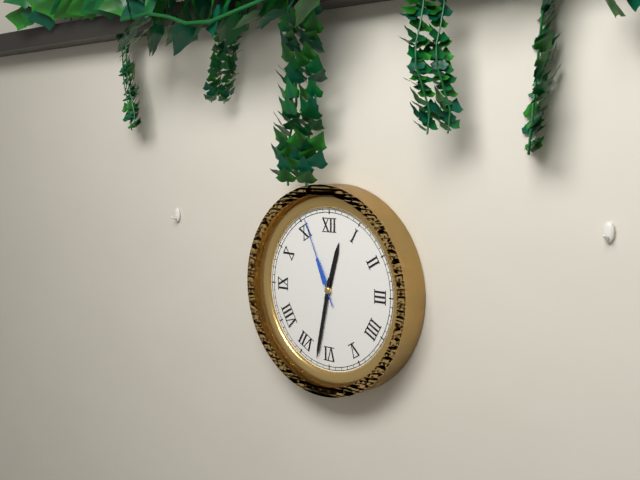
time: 12:32:56
